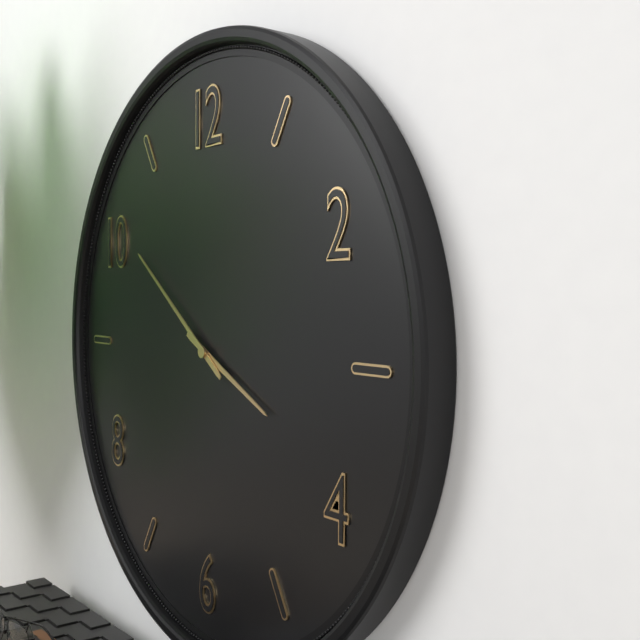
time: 3:51
